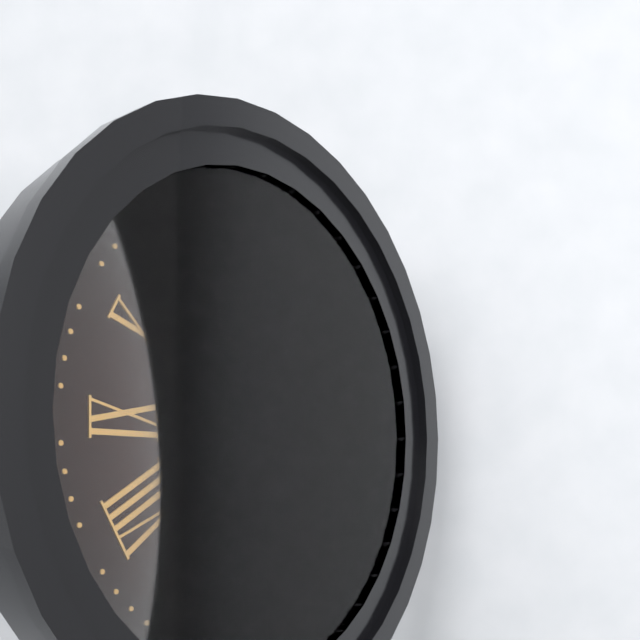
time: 8:06:11
